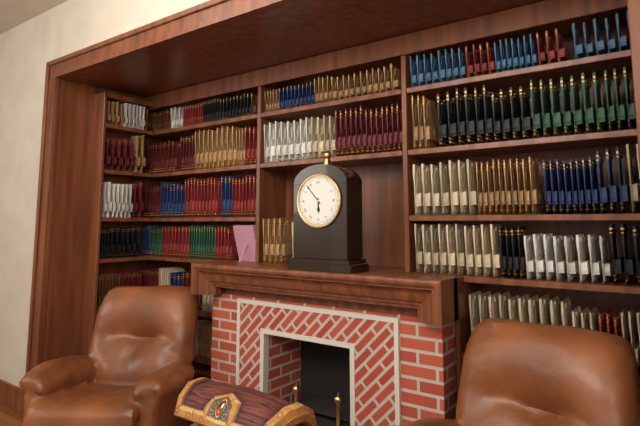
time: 5:53
